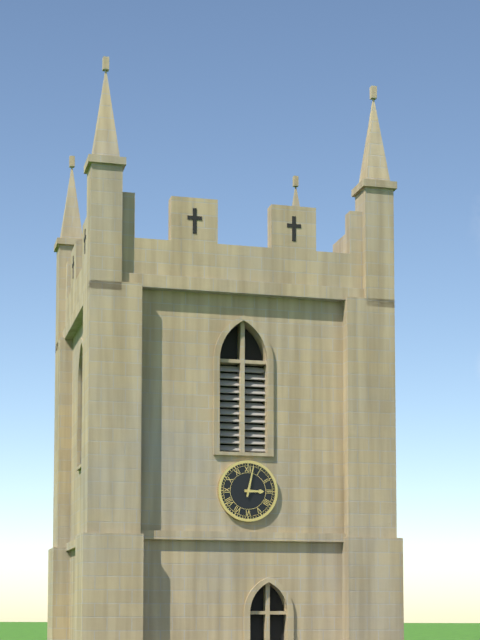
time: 3:02
